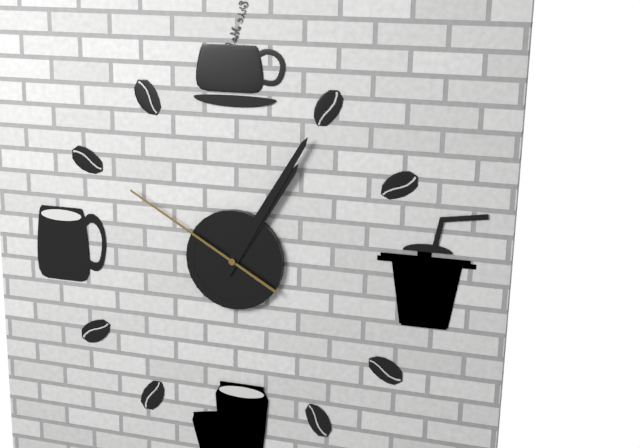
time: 1:05:50
